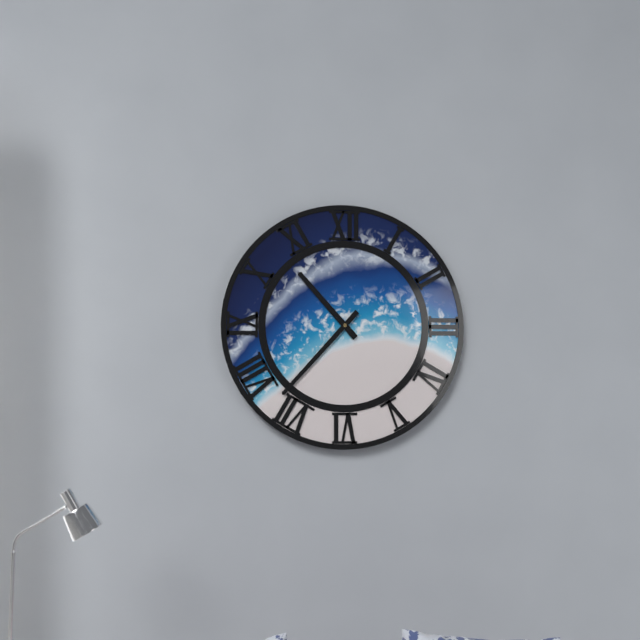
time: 10:37
